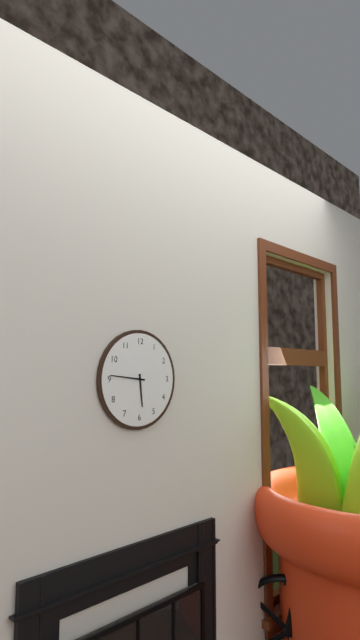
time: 5:46
